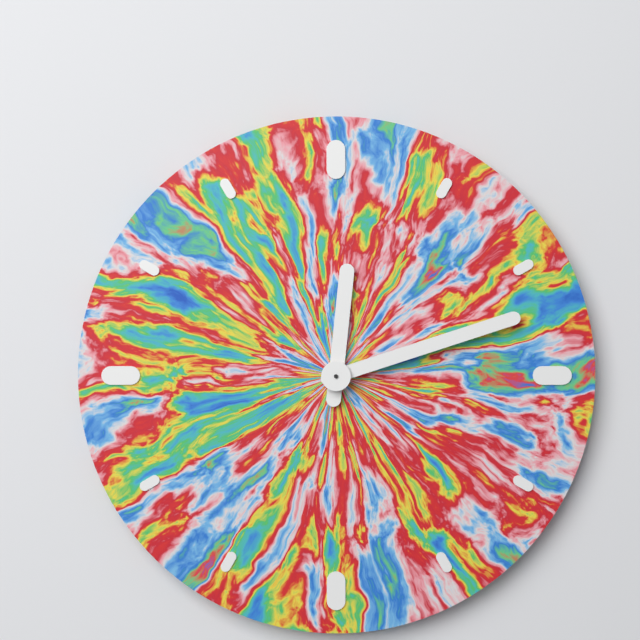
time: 12:12
